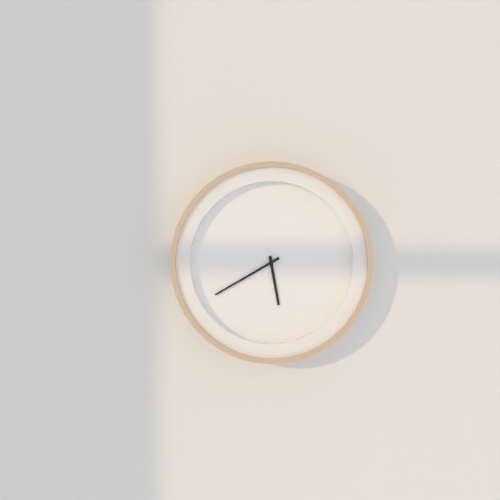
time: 5:40
